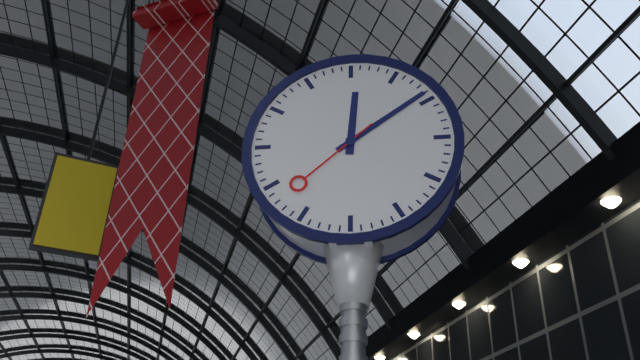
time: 12:09:38
